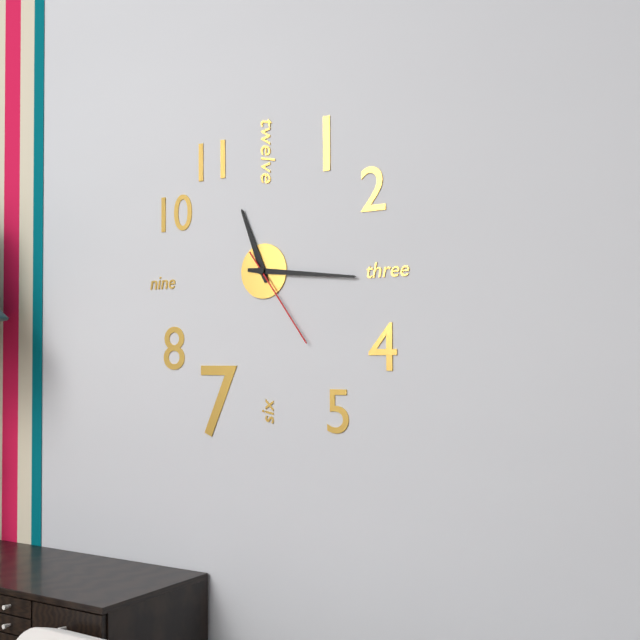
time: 11:16:24
